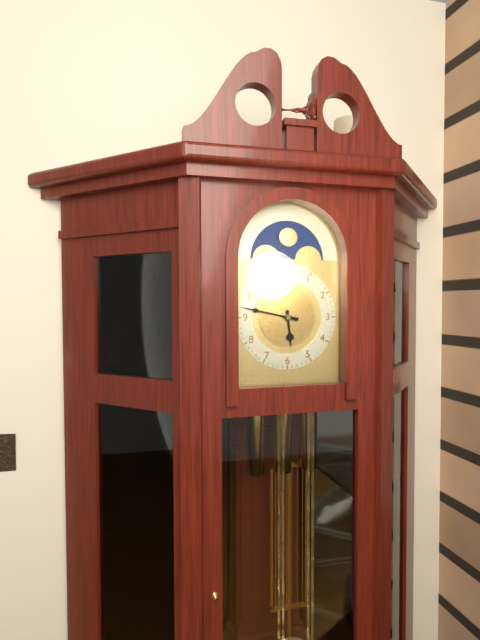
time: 5:47
